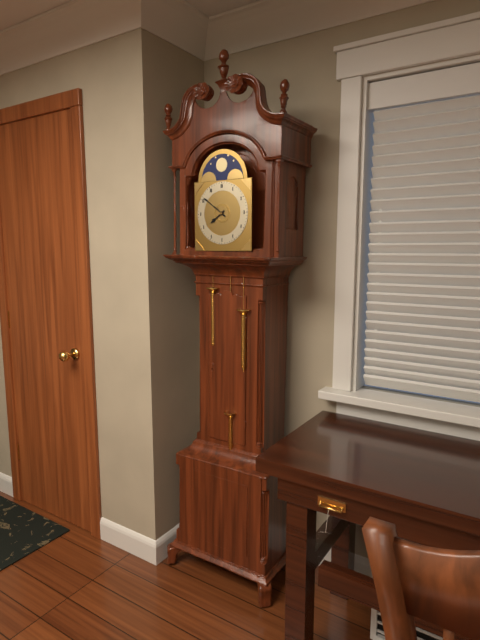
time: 7:51
